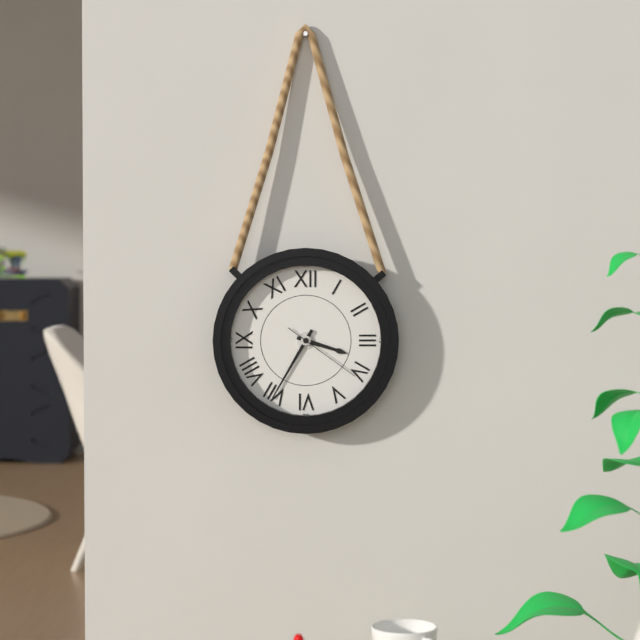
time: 3:35:21
